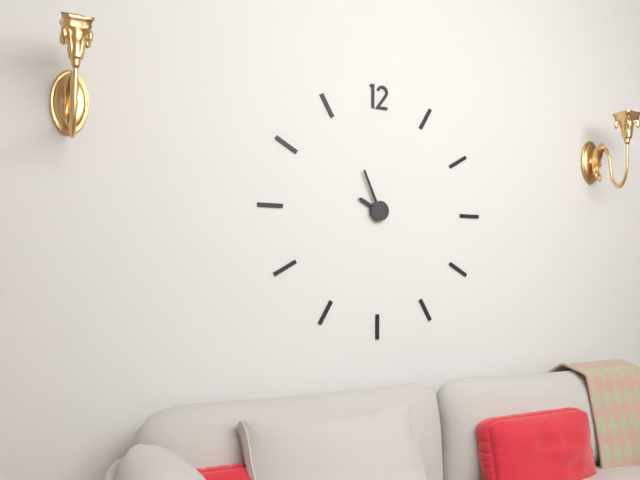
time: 9:56
